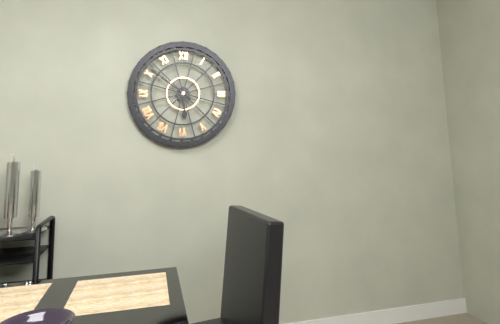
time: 5:51
